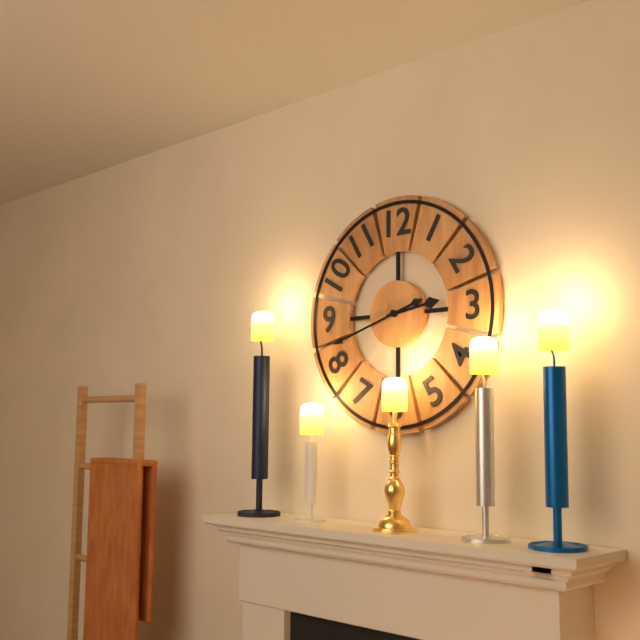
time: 2:42
